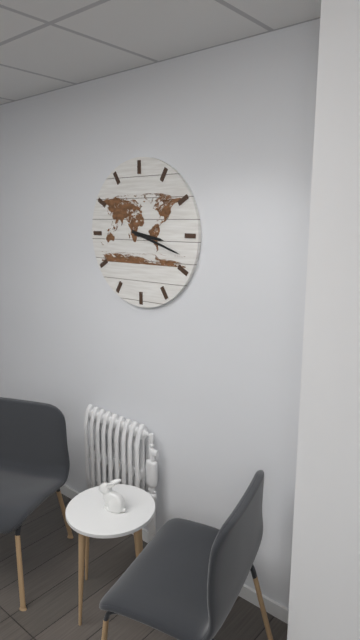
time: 3:18
